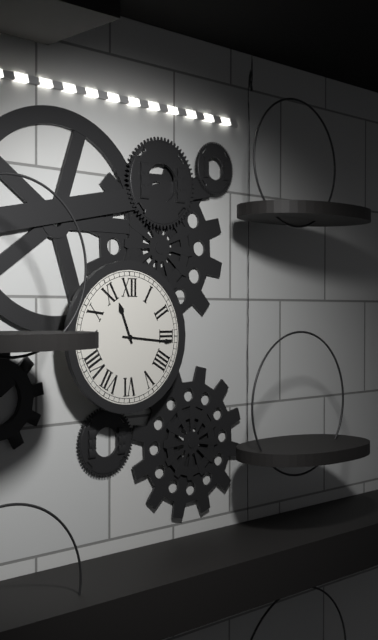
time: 11:16
